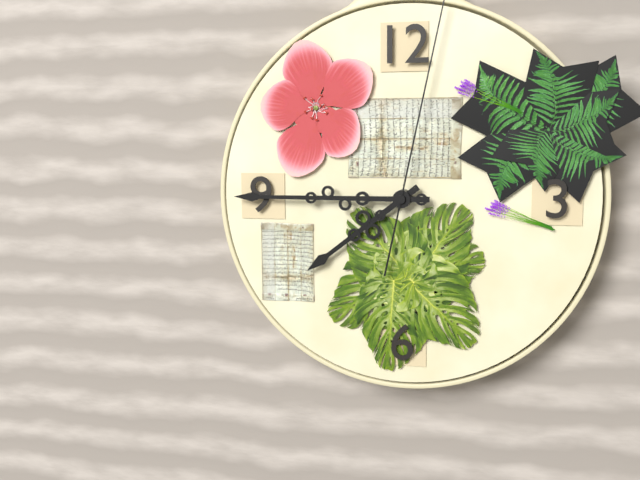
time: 7:45
